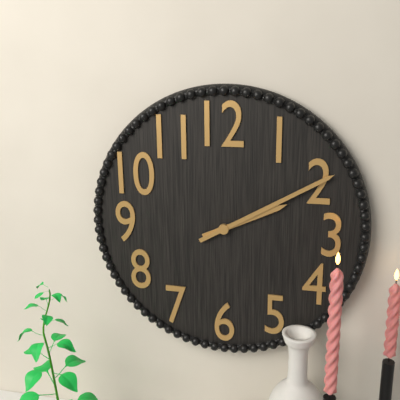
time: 2:10
